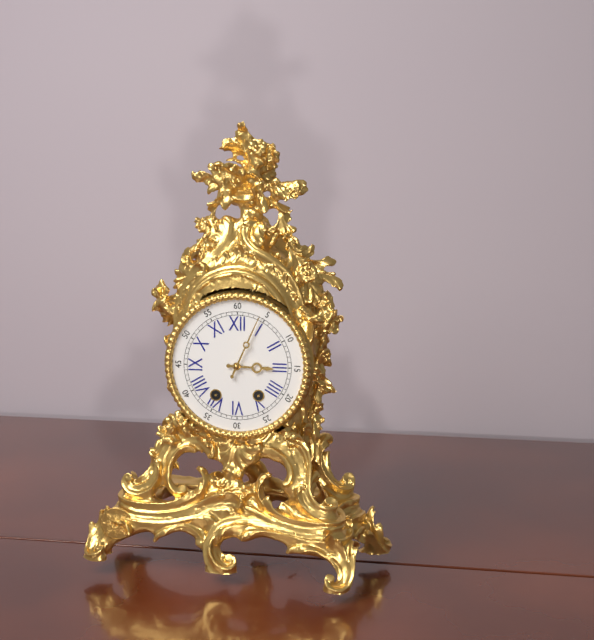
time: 3:04
